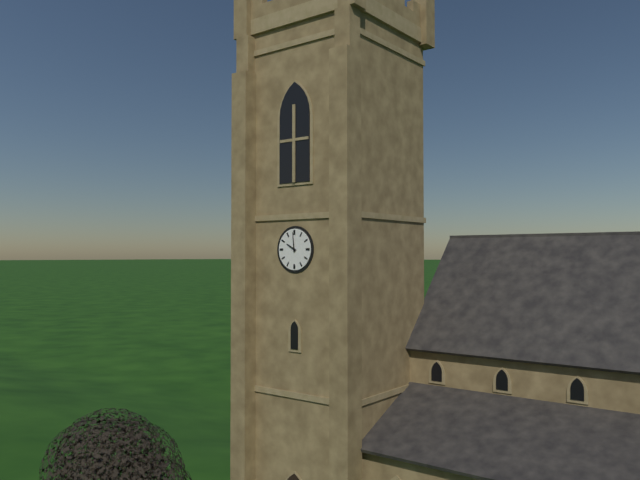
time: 9:59
